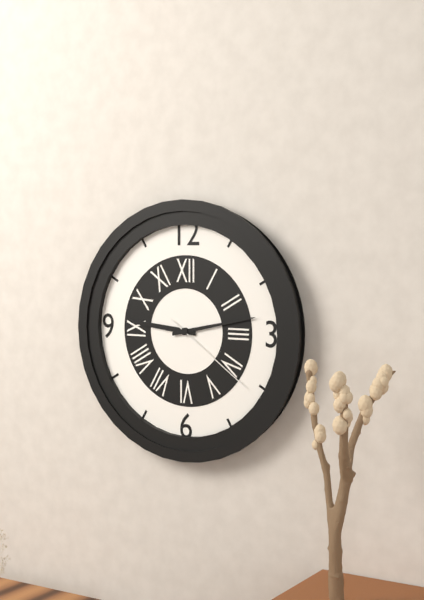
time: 9:13:21
